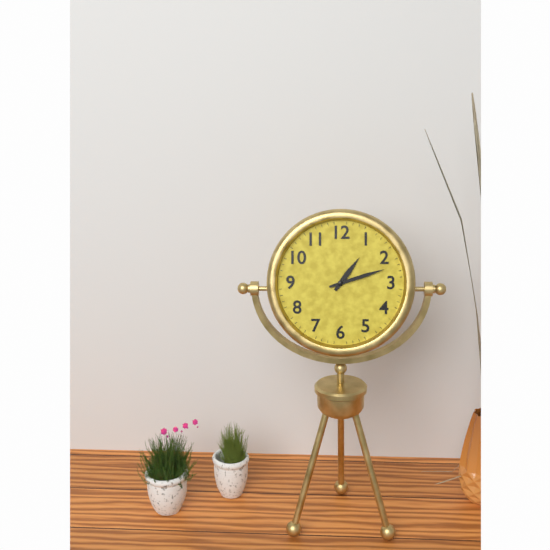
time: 1:12
